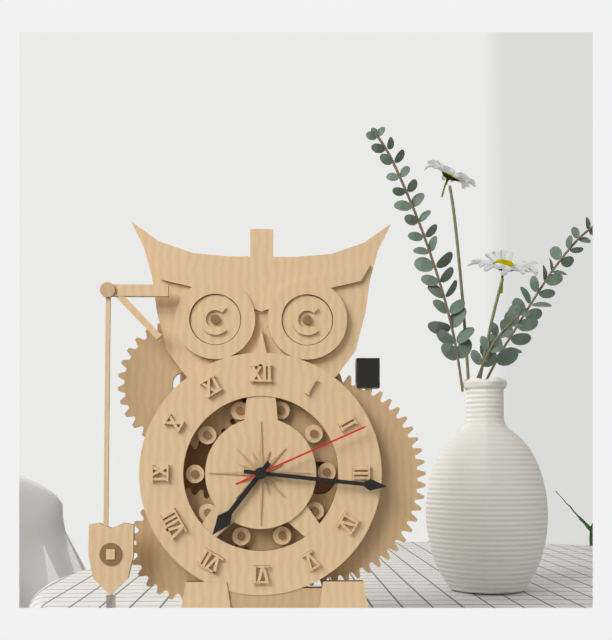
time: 7:16:11
